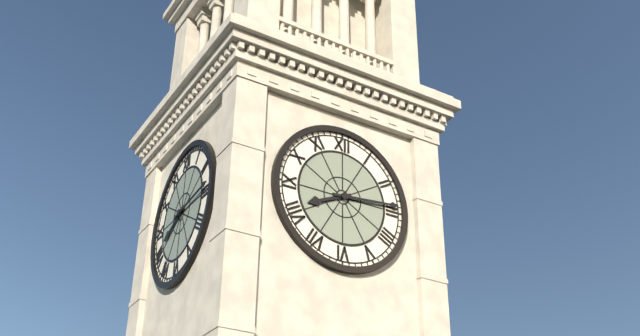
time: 8:14
